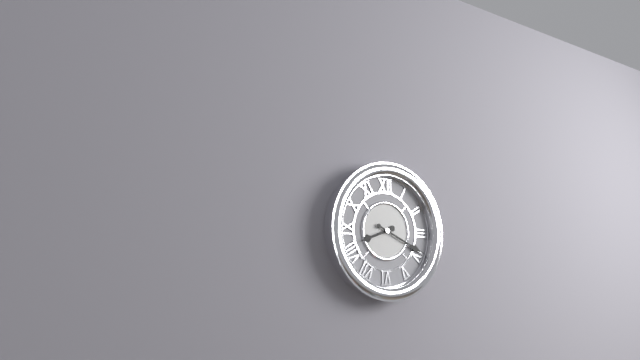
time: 8:19
